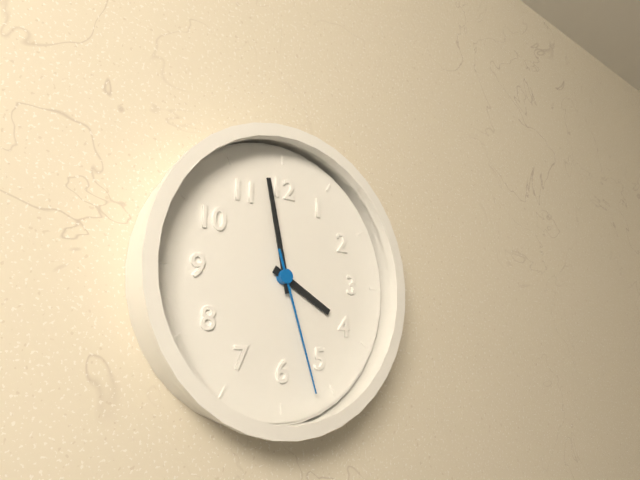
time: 3:58:27
